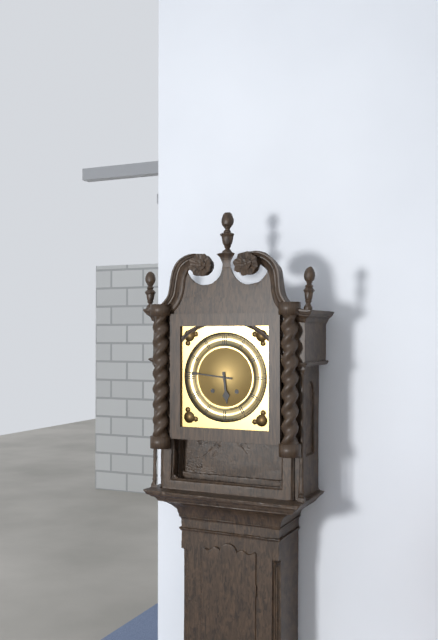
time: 5:46
